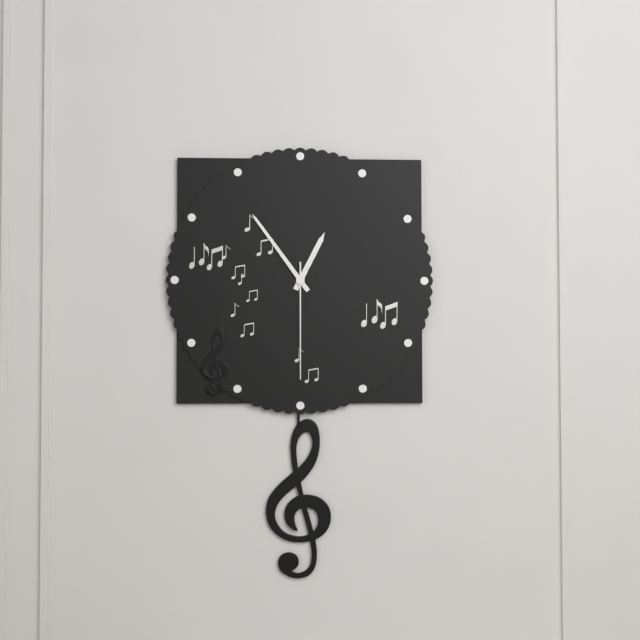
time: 12:54:30
